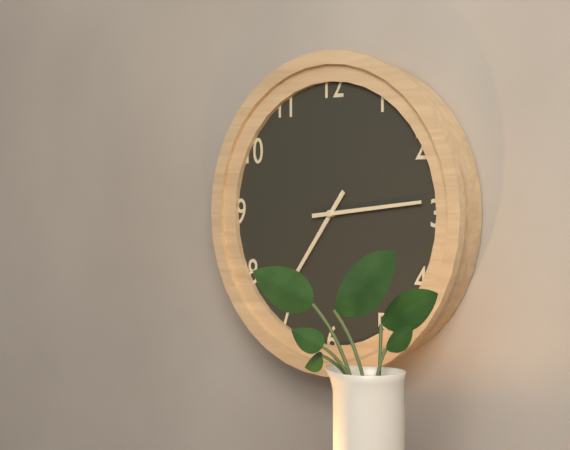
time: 7:14
